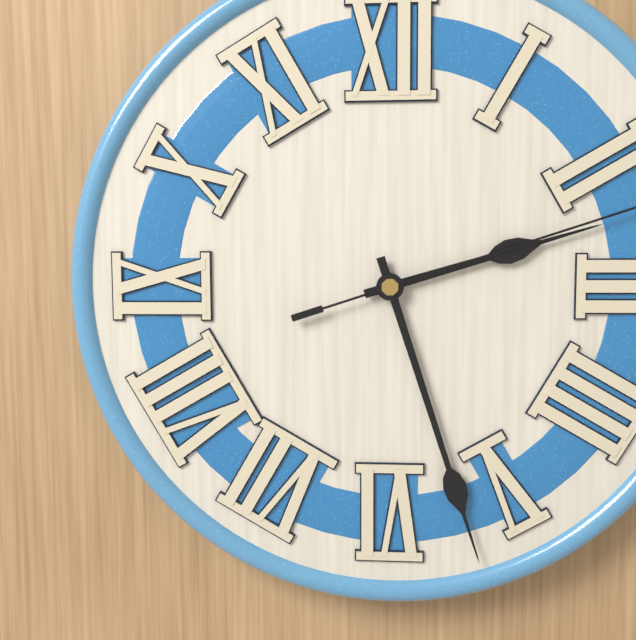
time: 2:27
